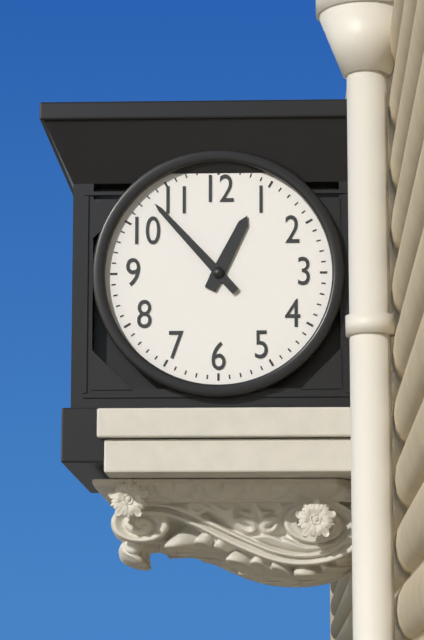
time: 12:53
